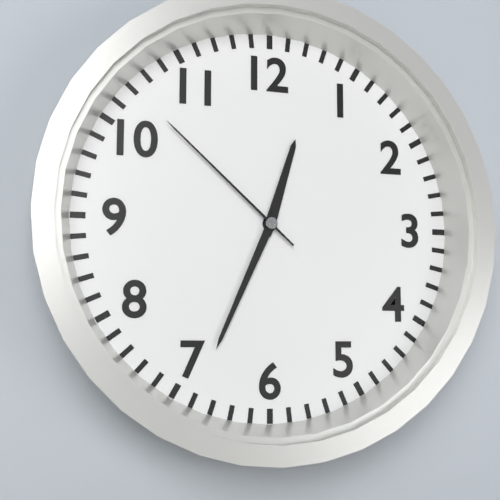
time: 12:34:52
